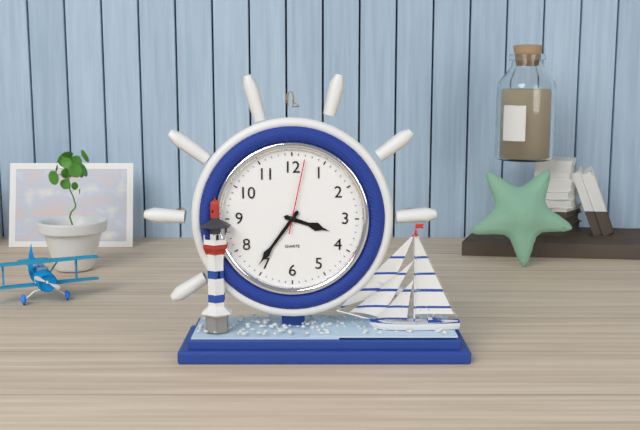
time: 3:36:02
